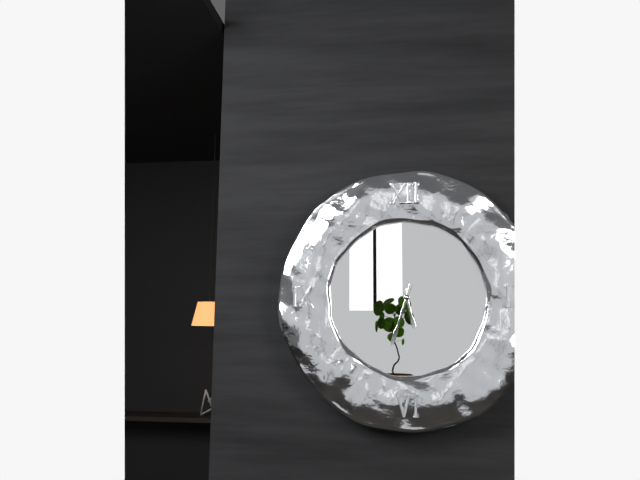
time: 5:33
